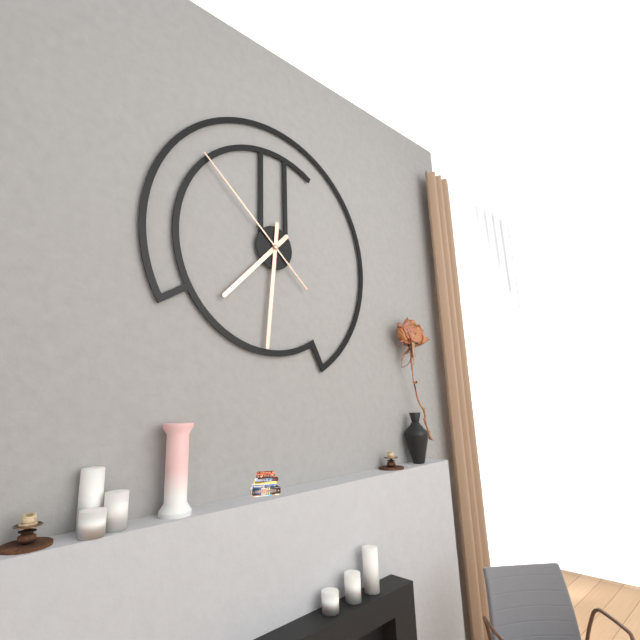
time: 7:31:52
